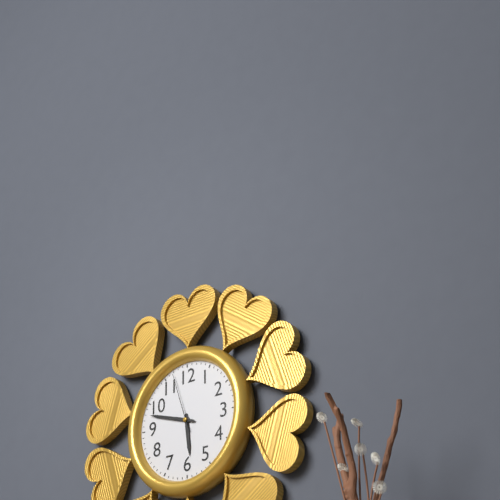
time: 5:48:57
